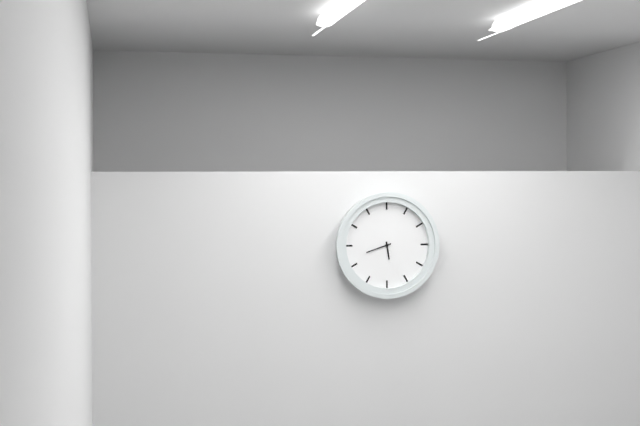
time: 5:42
